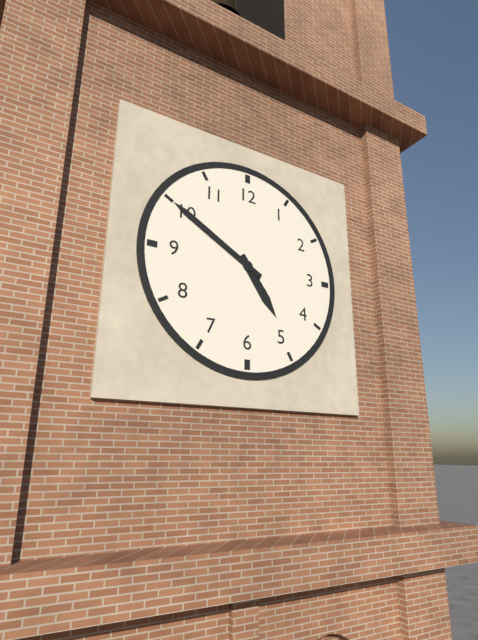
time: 4:50
